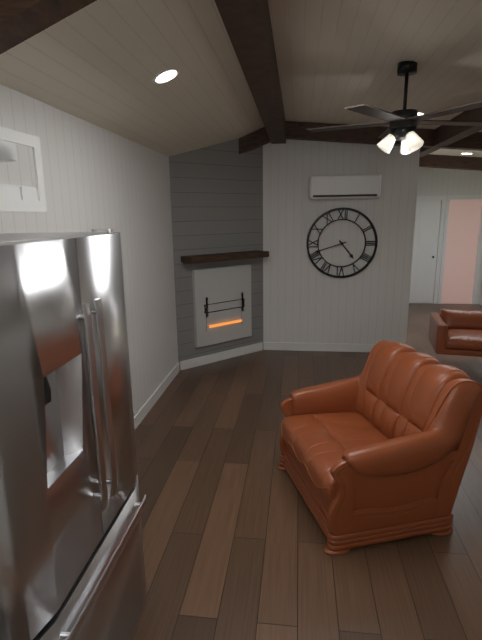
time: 4:42
